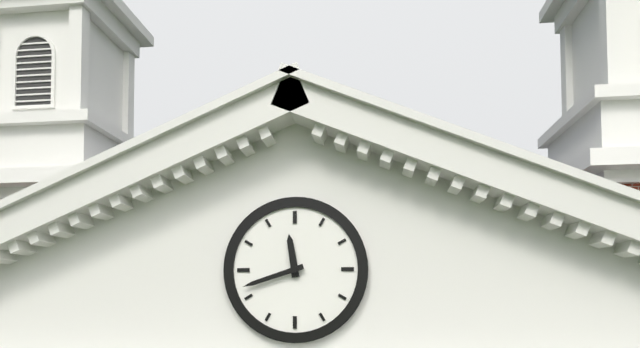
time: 11:42
